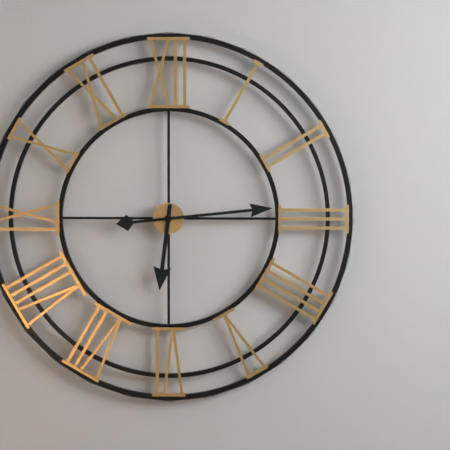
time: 6:14
